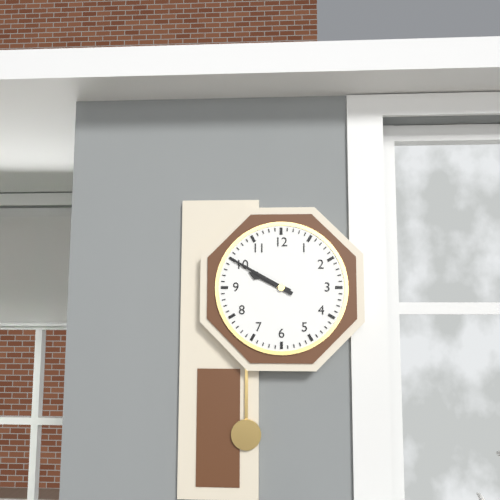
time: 9:50
